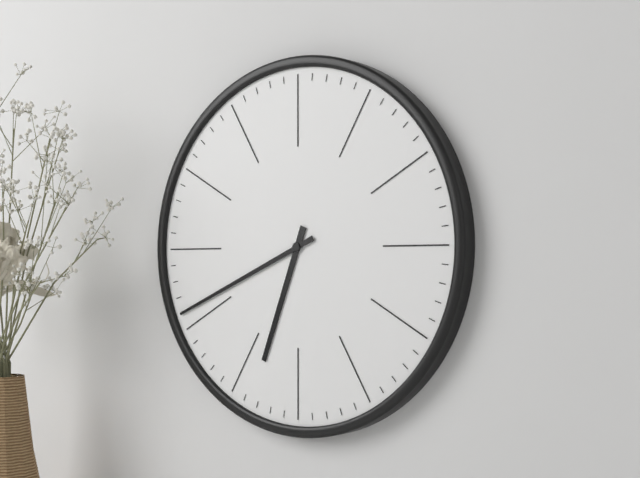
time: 6:41
